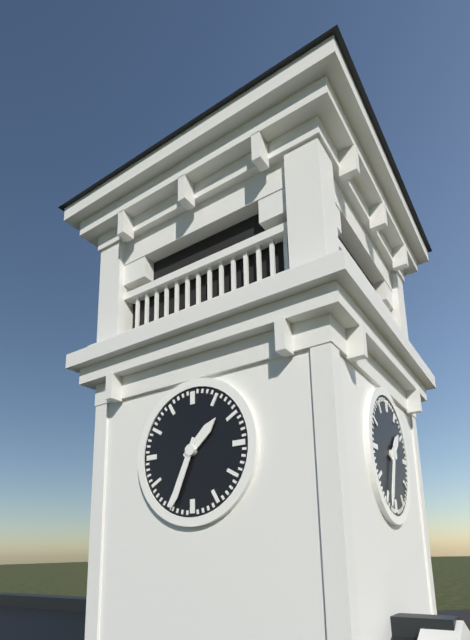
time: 1:34
